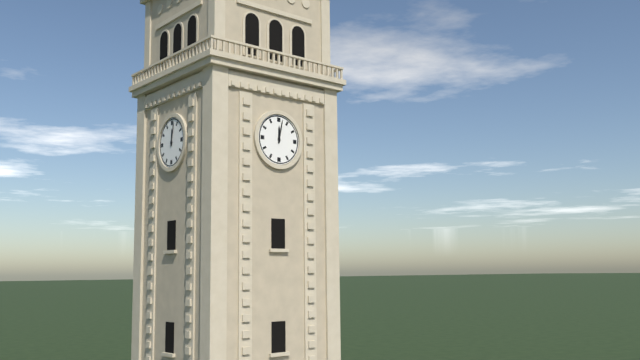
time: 12:02
